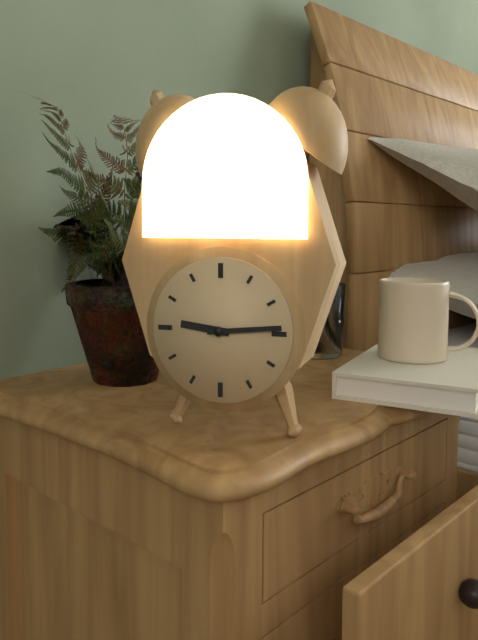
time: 9:14
